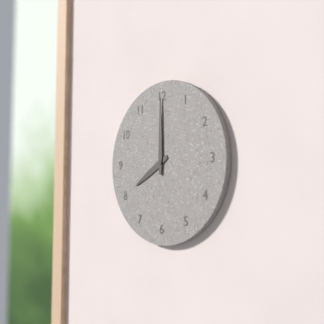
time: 8:00
